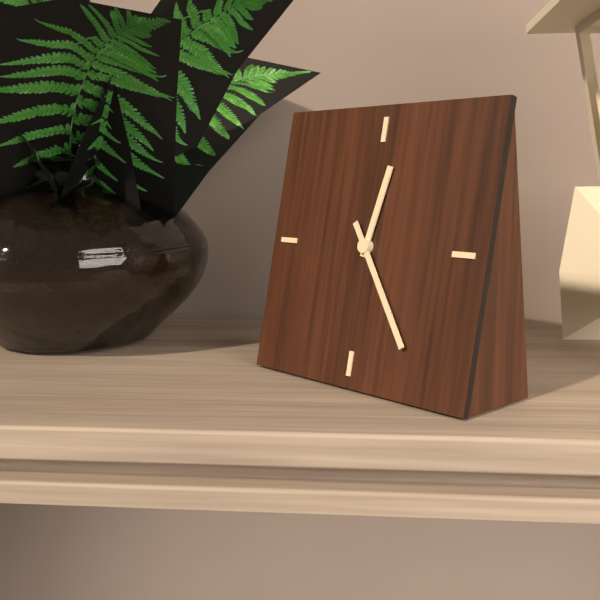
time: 12:24
